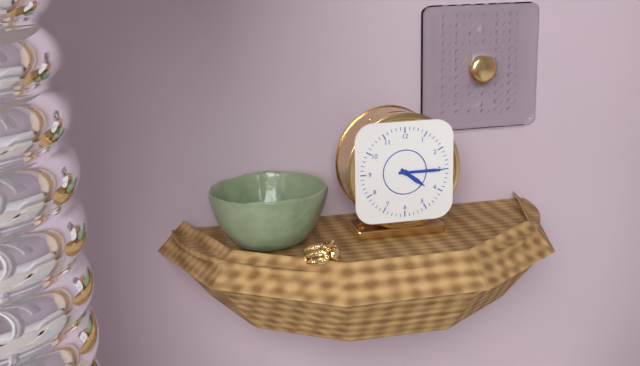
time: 4:15
